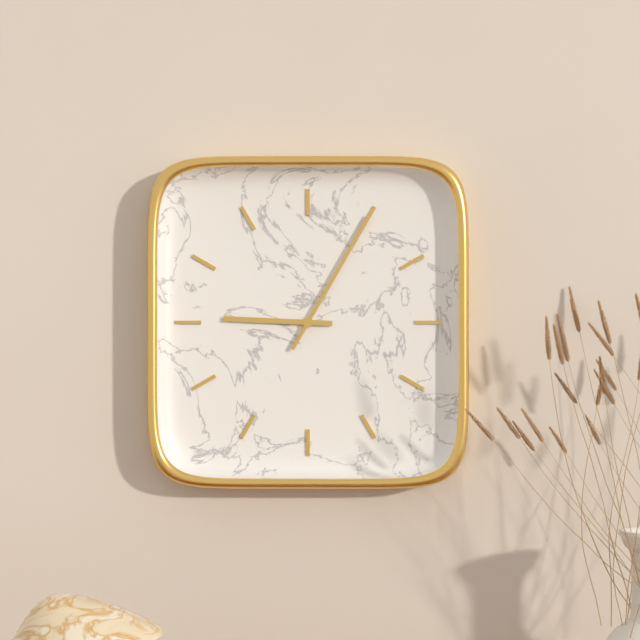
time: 9:05
